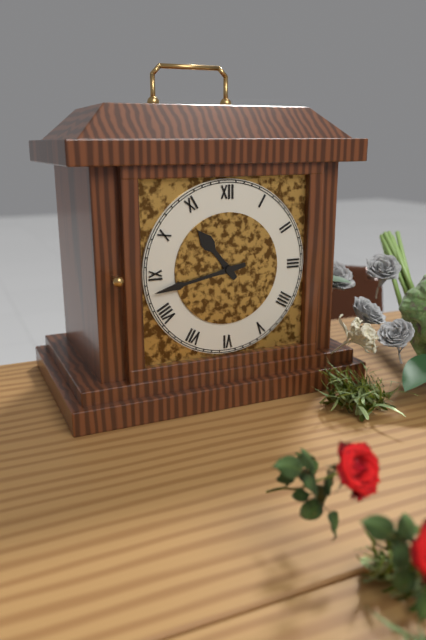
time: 10:43
